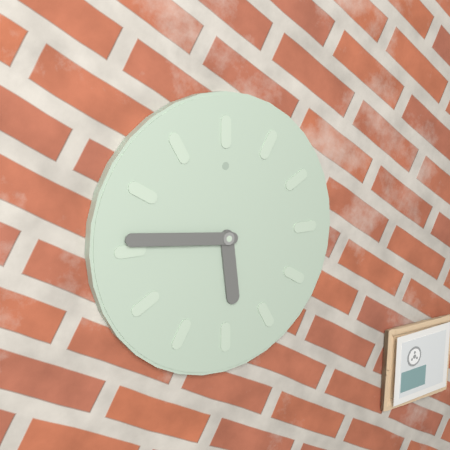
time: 5:46
